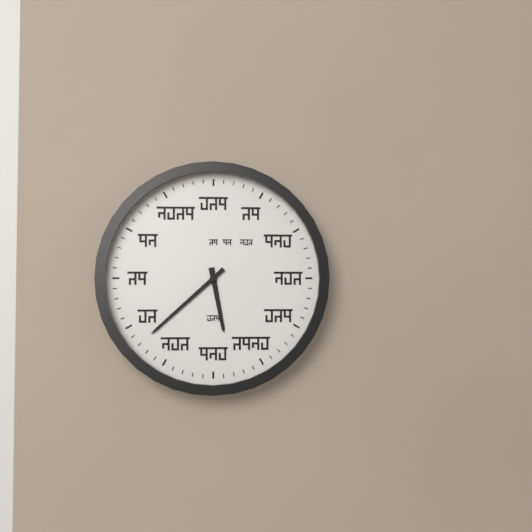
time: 5:38
